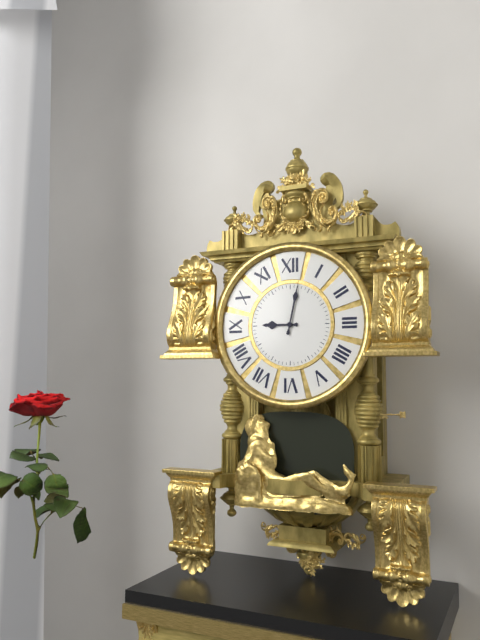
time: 9:02
